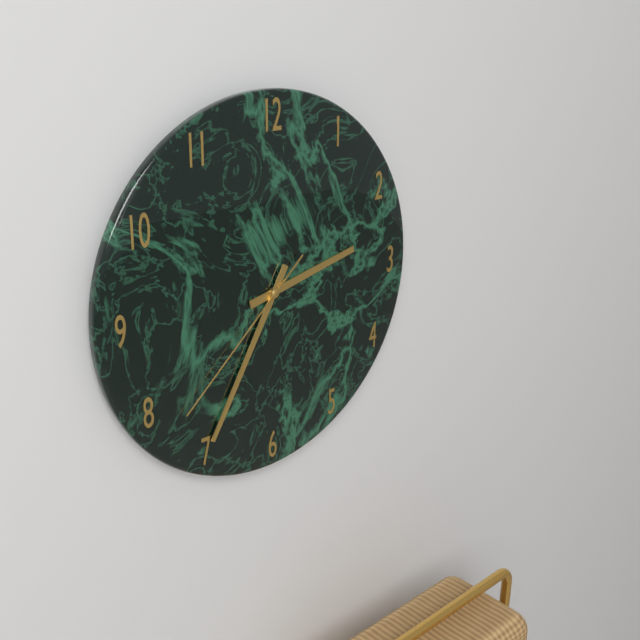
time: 2:35:38
